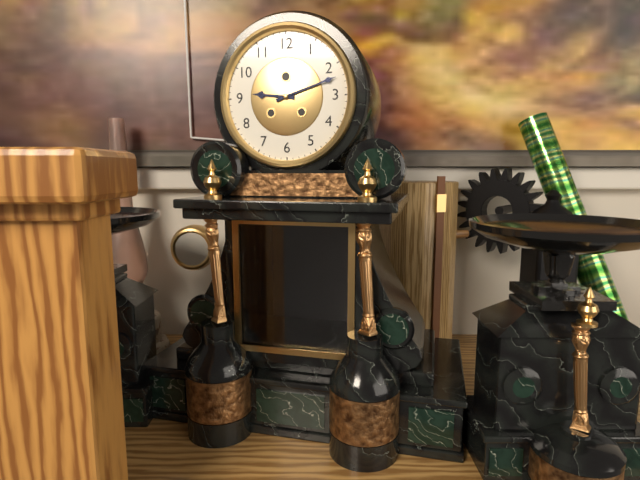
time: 9:12
